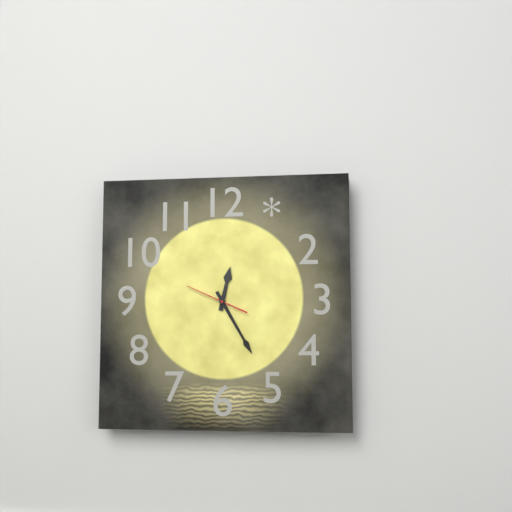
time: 12:25
